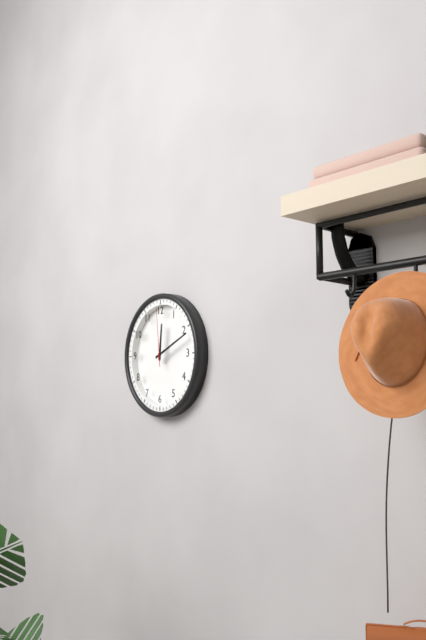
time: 12:11:59
